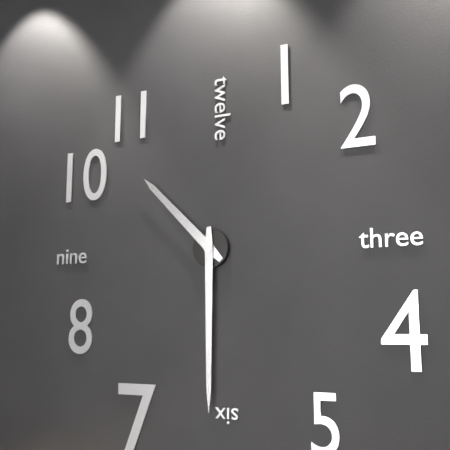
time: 10:30
